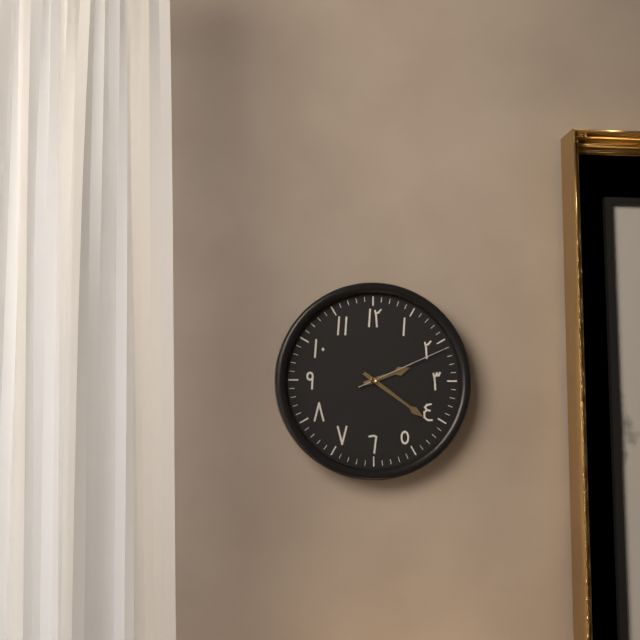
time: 2:21:11
